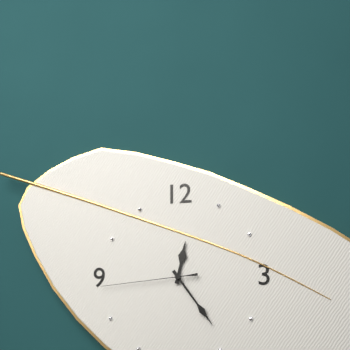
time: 12:24:44
